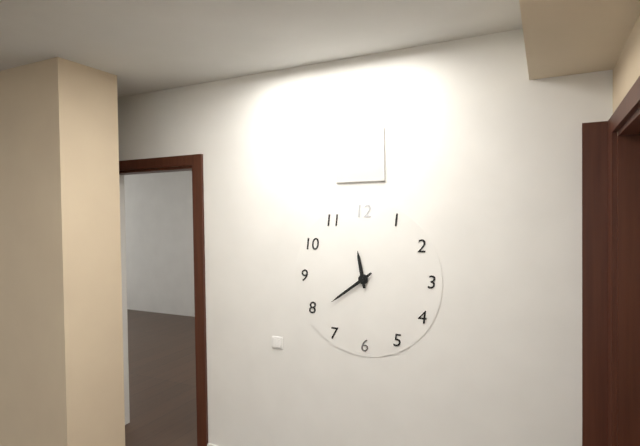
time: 11:39
